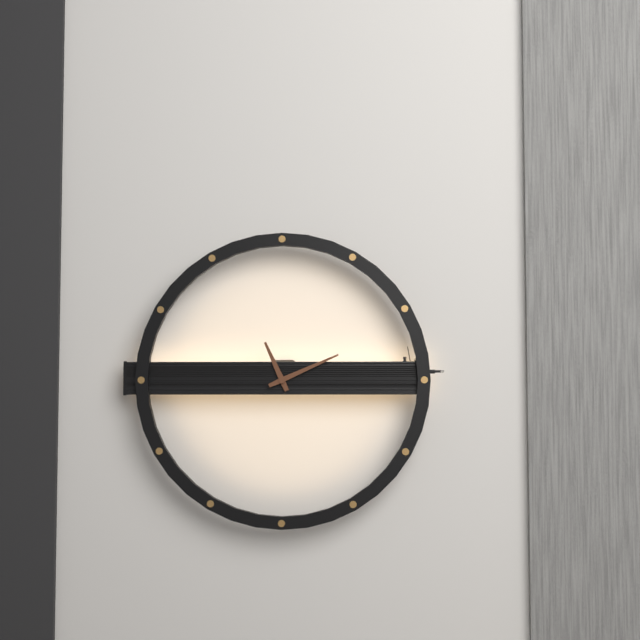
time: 11:11
